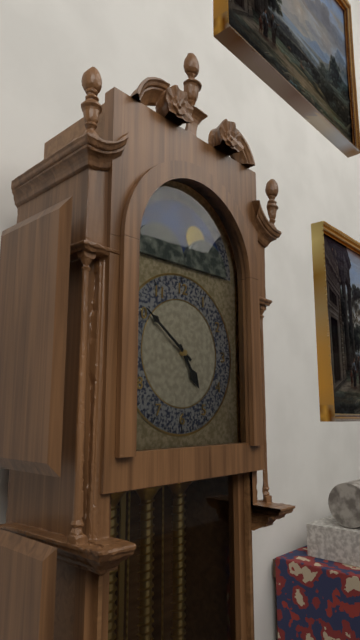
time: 4:51
